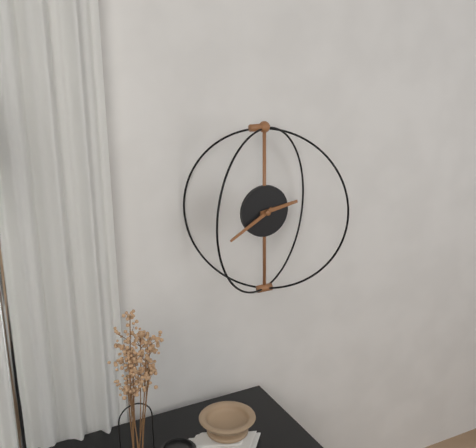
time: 2:40
